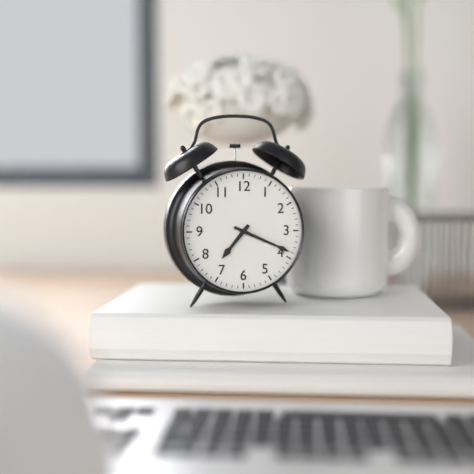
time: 7:19
